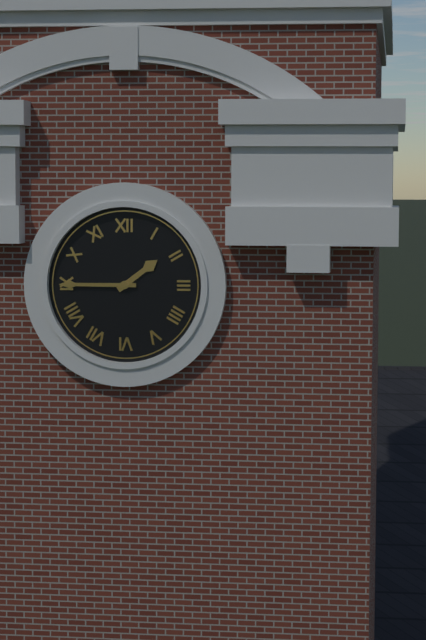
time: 1:45
